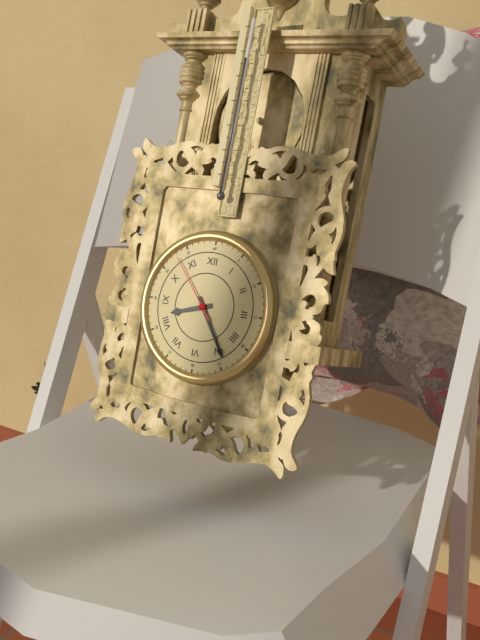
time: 8:24:53
